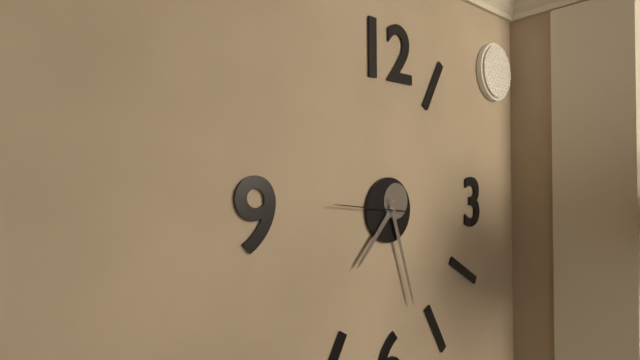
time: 7:27:46
